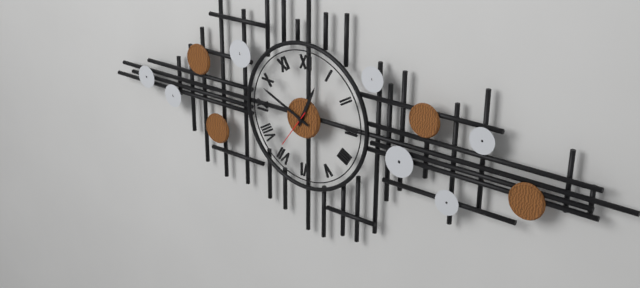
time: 12:49
